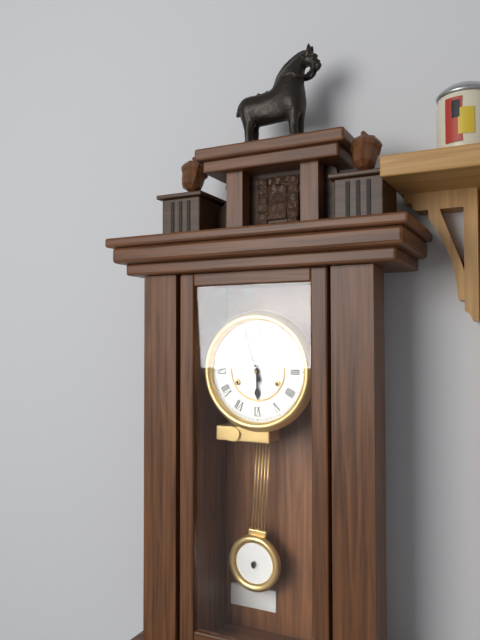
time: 5:57
